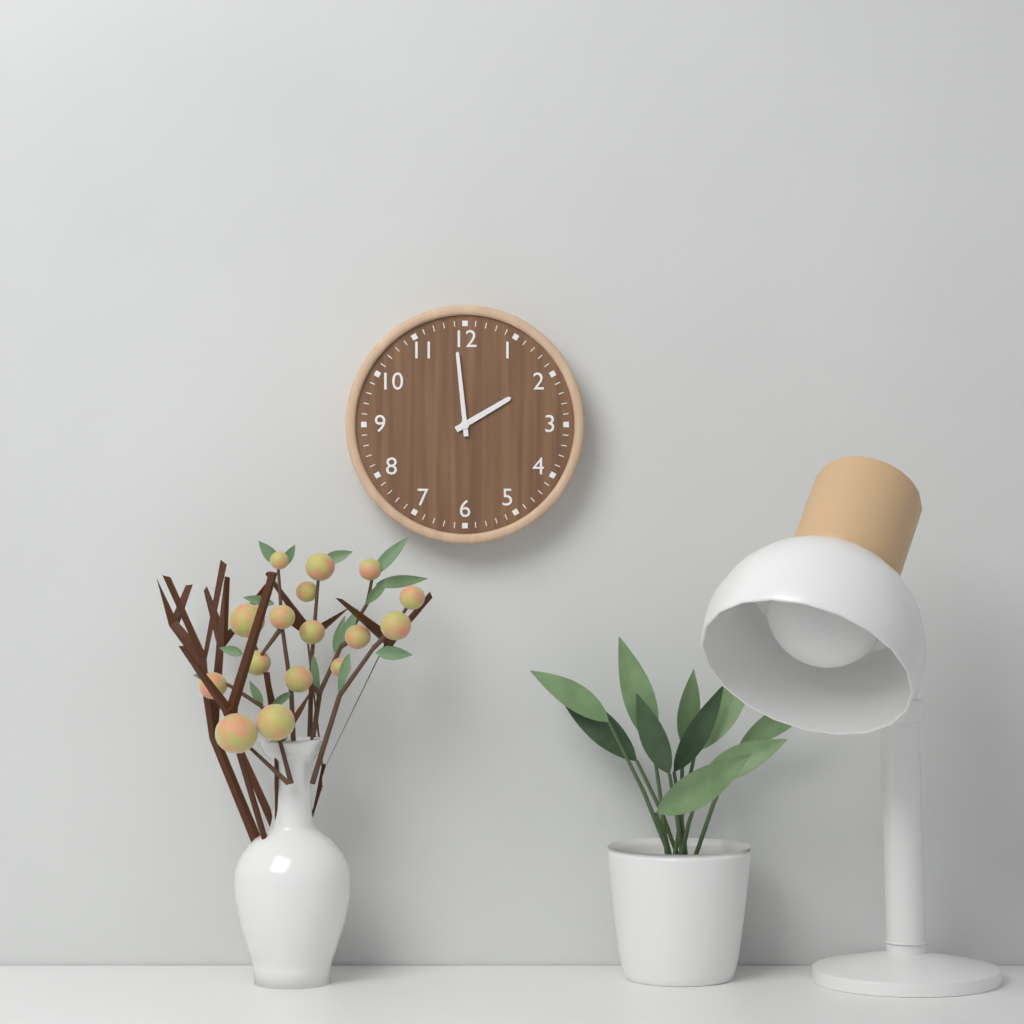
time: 1:59
